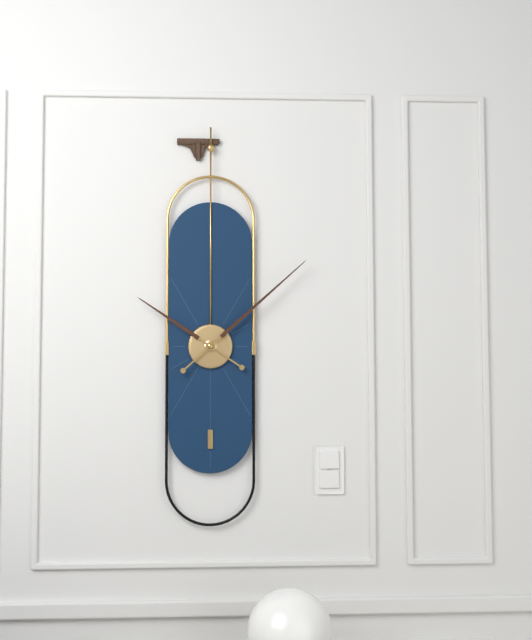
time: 10:08
